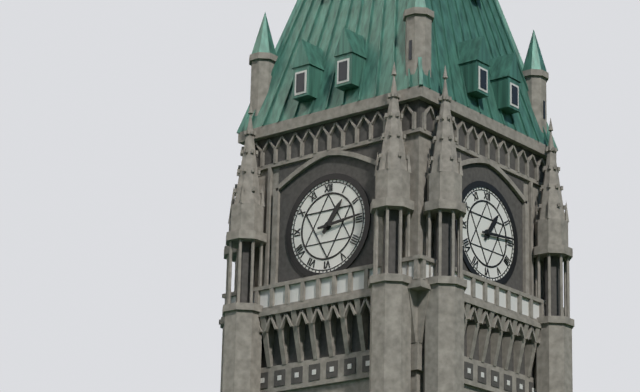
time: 1:14
